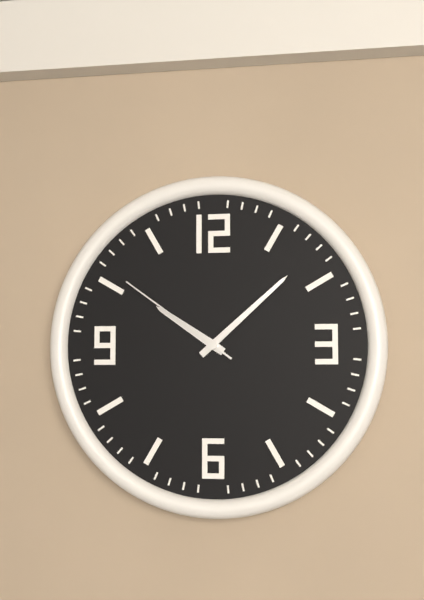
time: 10:08:51
